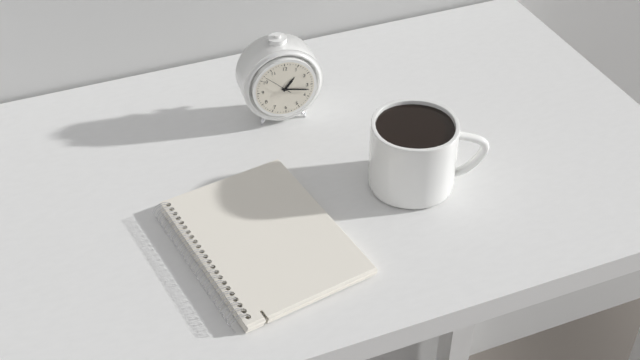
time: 1:17
